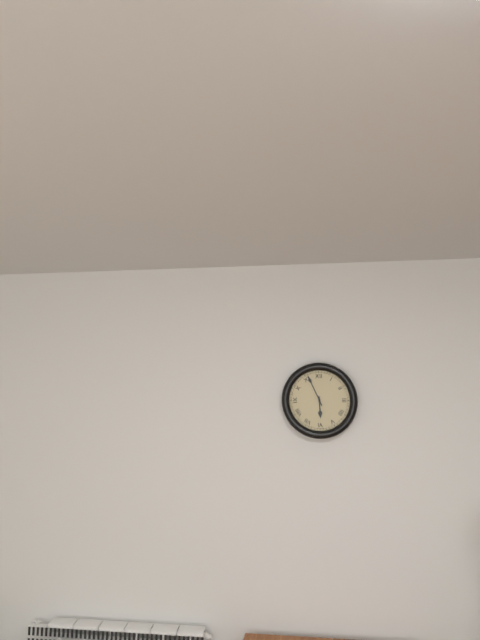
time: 5:56
